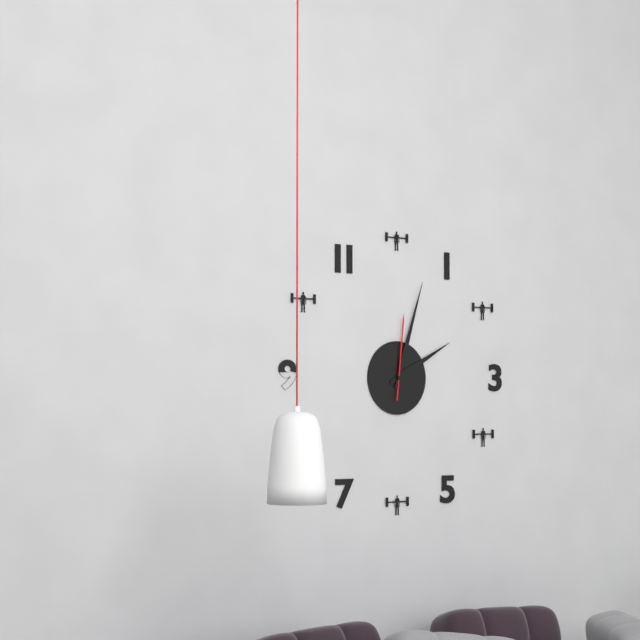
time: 2:03:01
